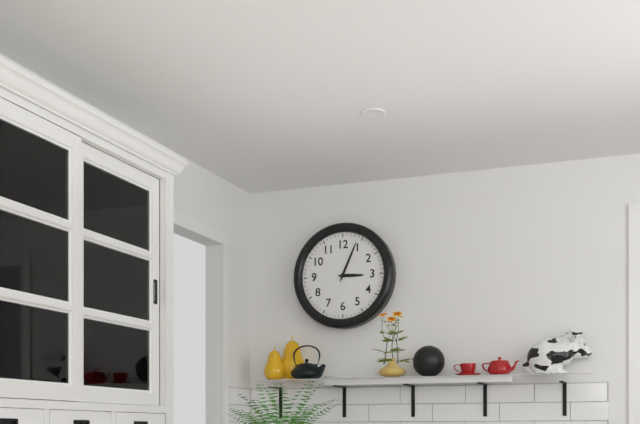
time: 3:04
